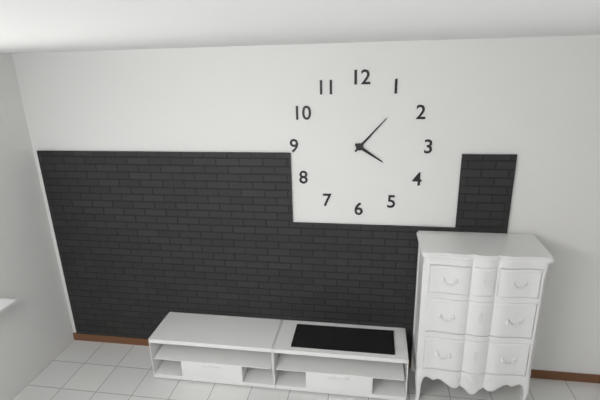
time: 4:07
